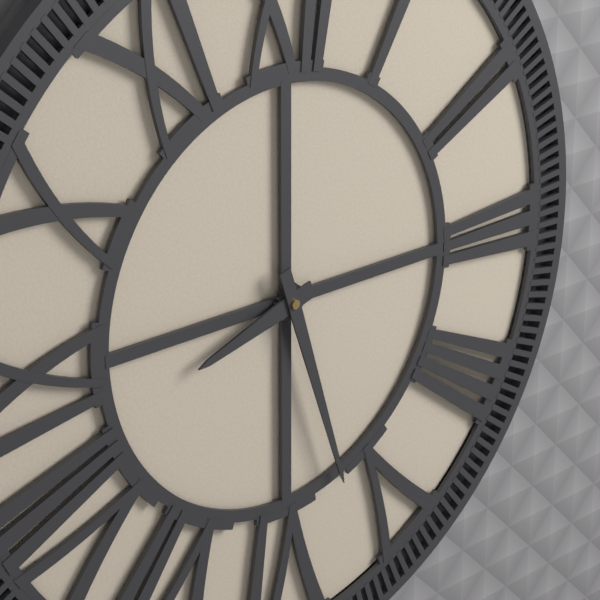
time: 8:27
